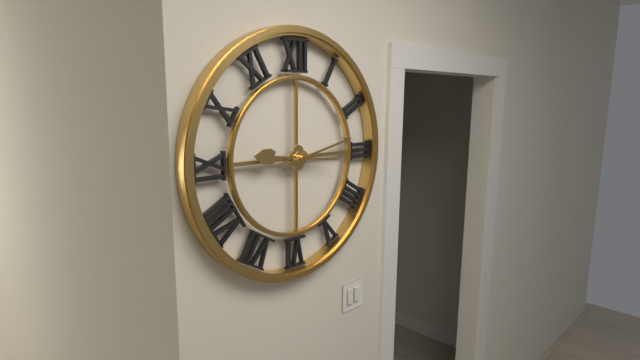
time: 9:13
